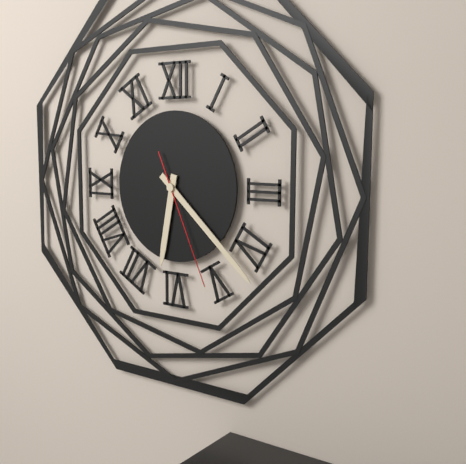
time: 6:22:26
